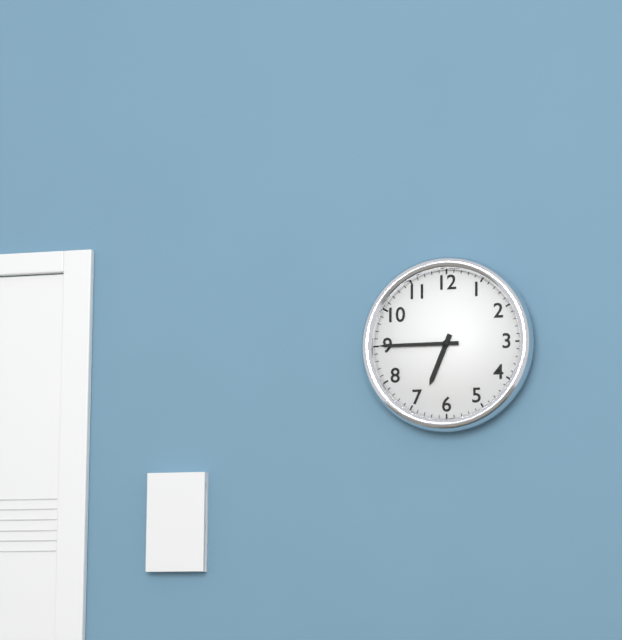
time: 6:45
